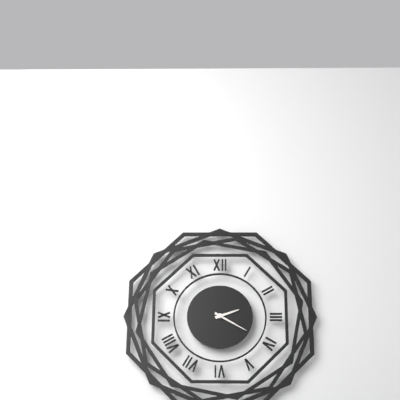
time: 2:20
